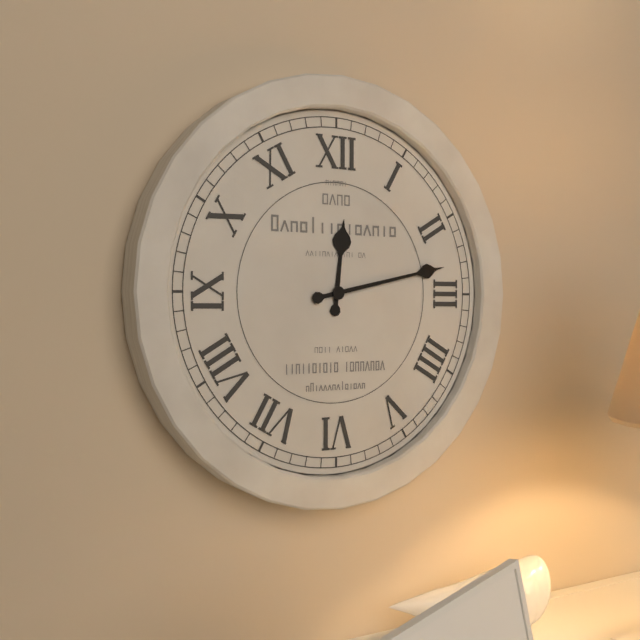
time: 12:13
